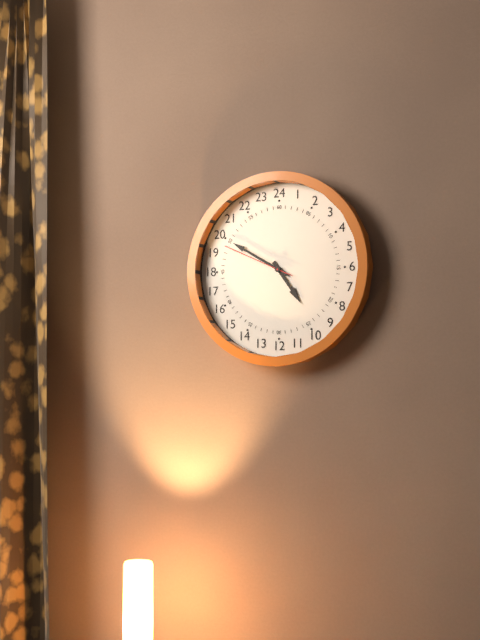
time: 4:50:49
